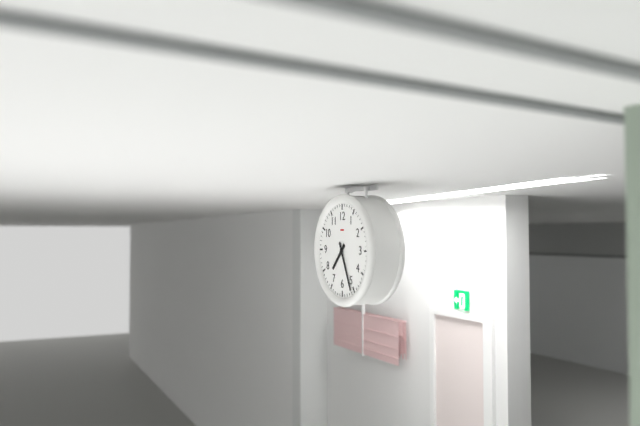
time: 7:26
